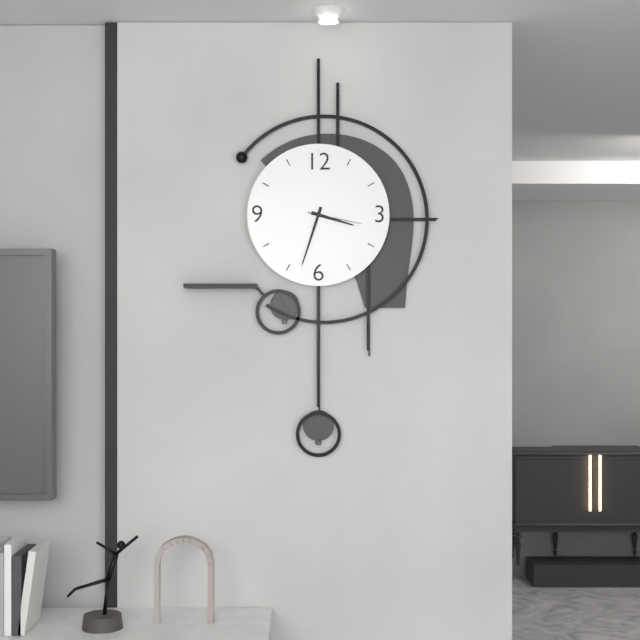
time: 3:33:17
